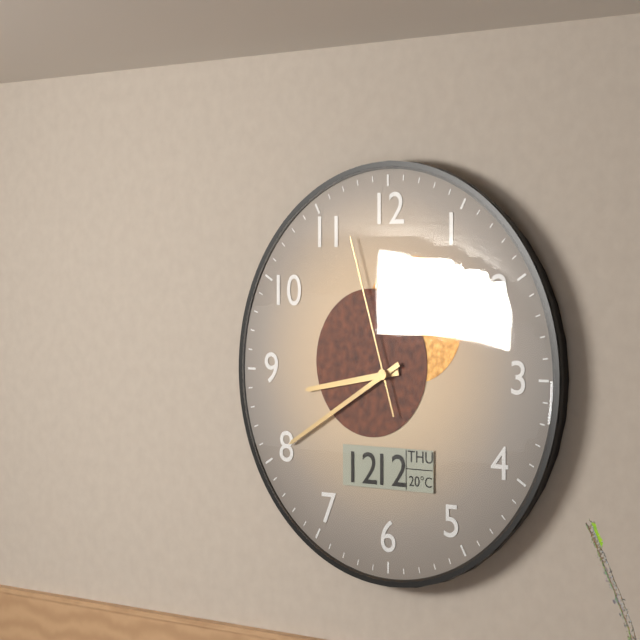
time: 8:40:57
